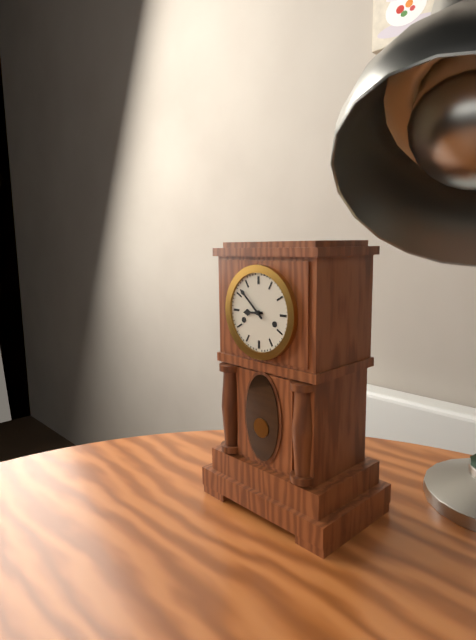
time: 8:52
